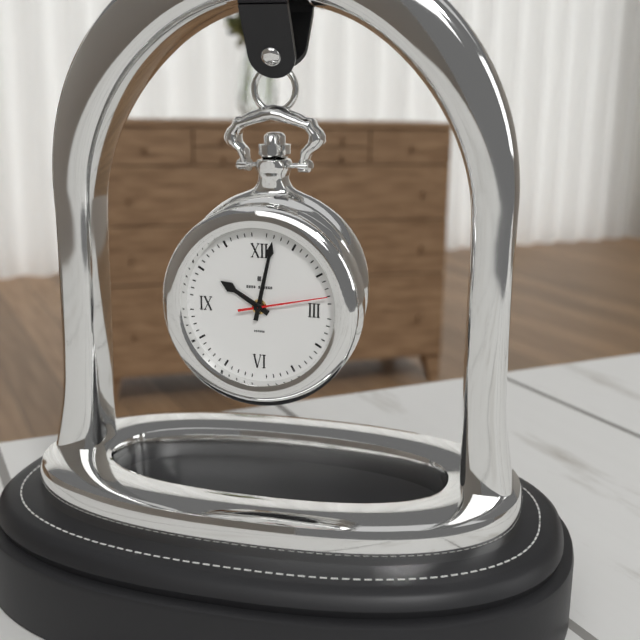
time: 10:02:13
